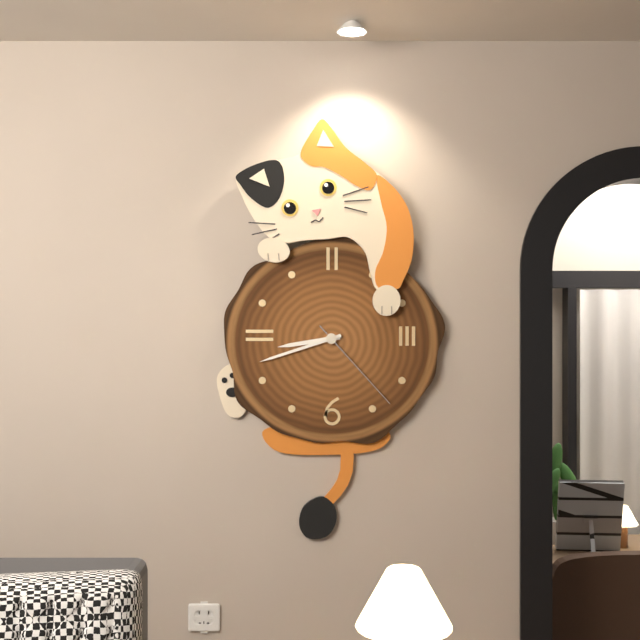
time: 8:42:23
